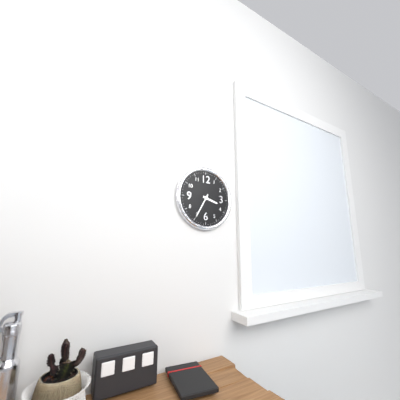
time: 3:35
